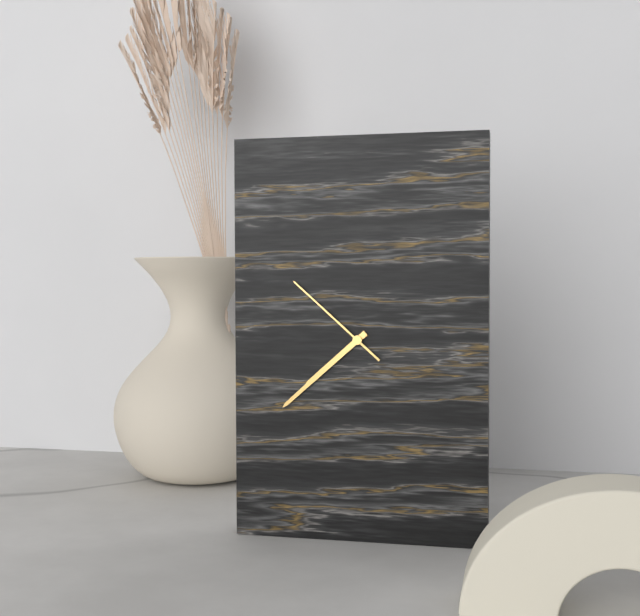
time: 7:38:52
